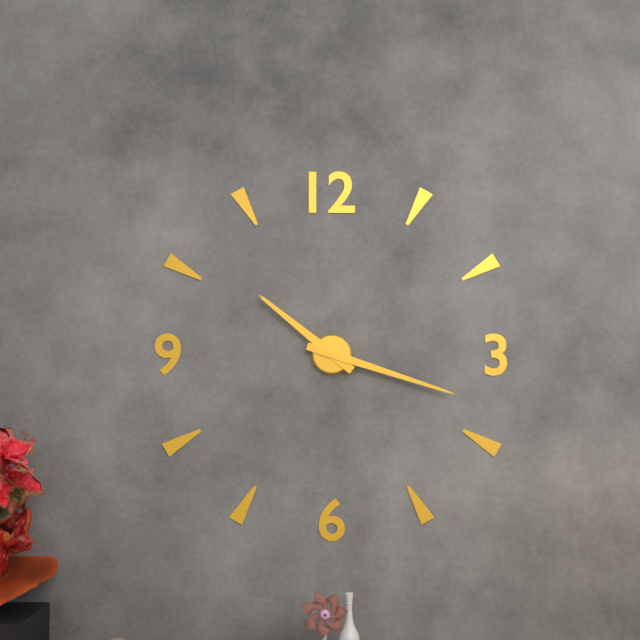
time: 10:18
